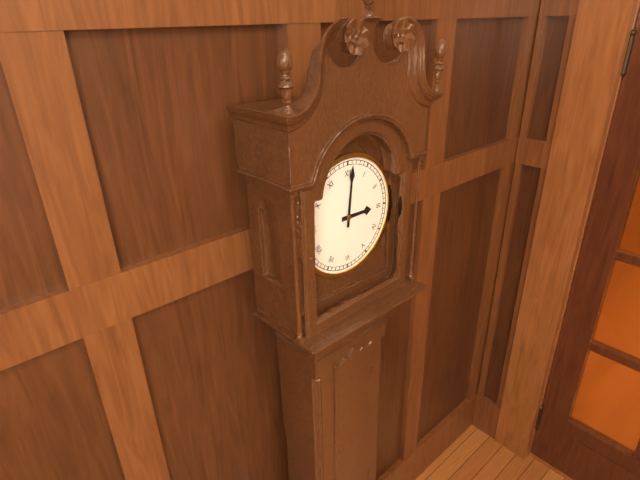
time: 3:01
